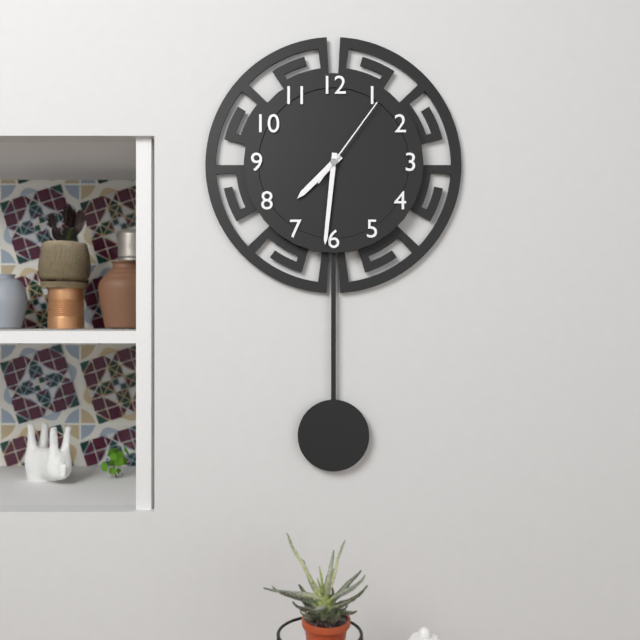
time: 7:31:06
